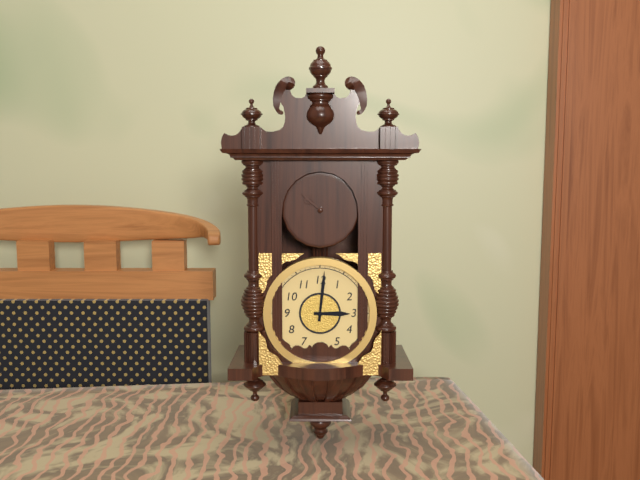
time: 3:01
